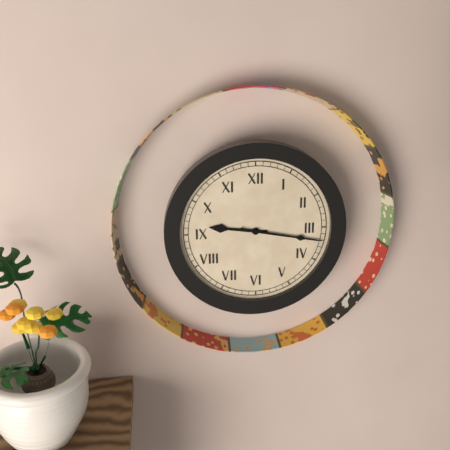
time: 9:17
